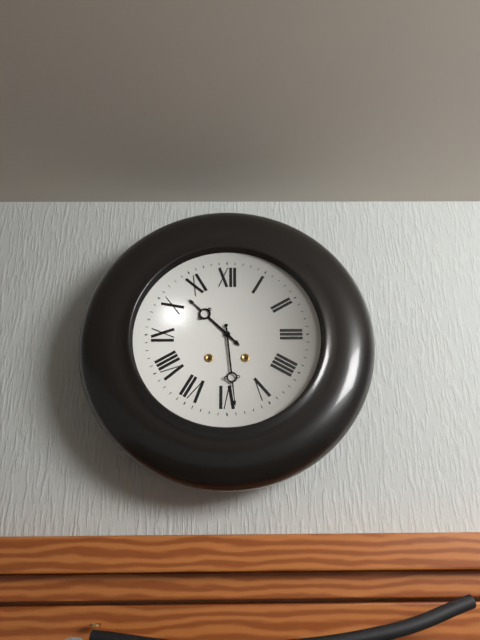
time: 10:29
